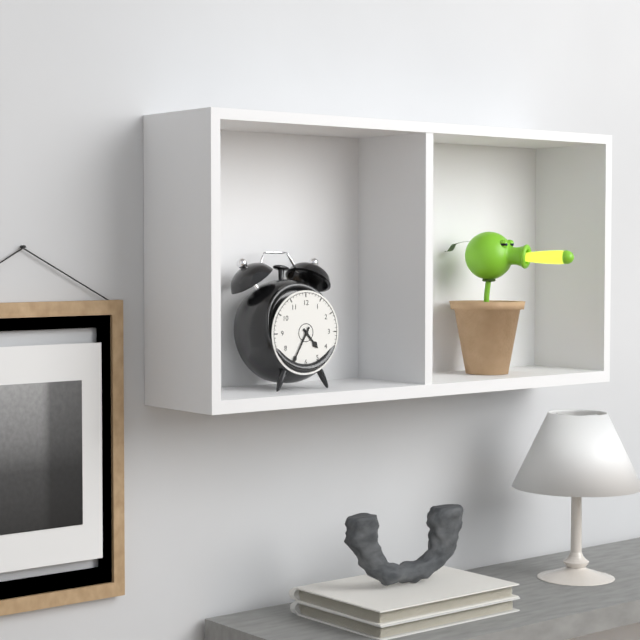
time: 4:35
